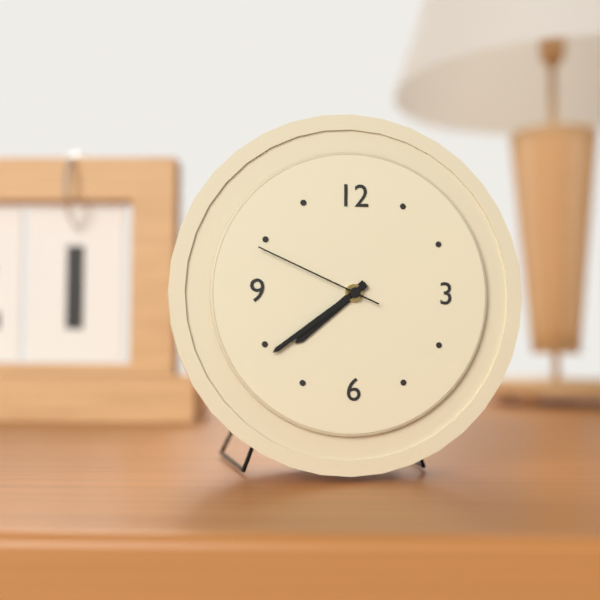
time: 7:39:49
